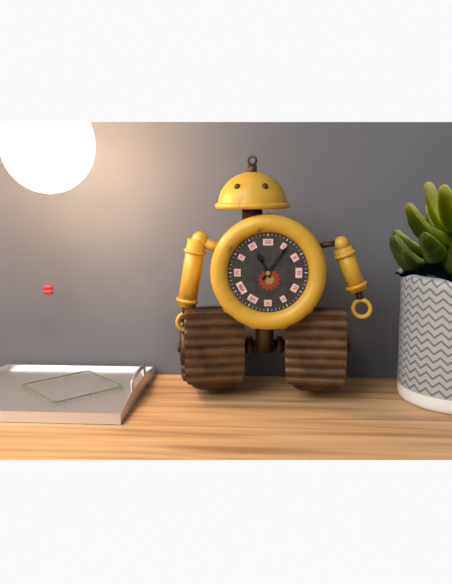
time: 11:06
